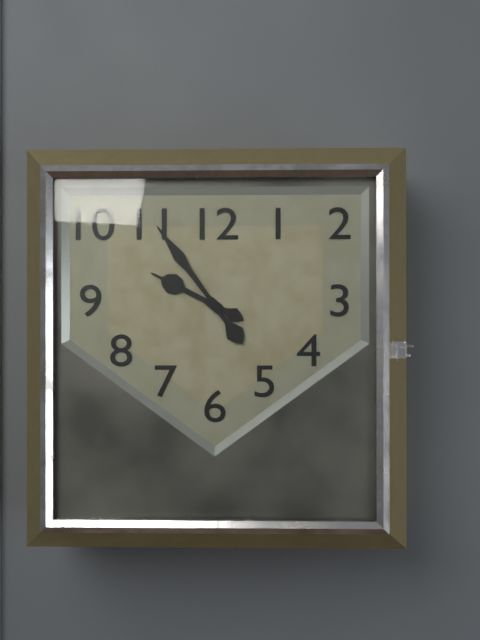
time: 9:54
